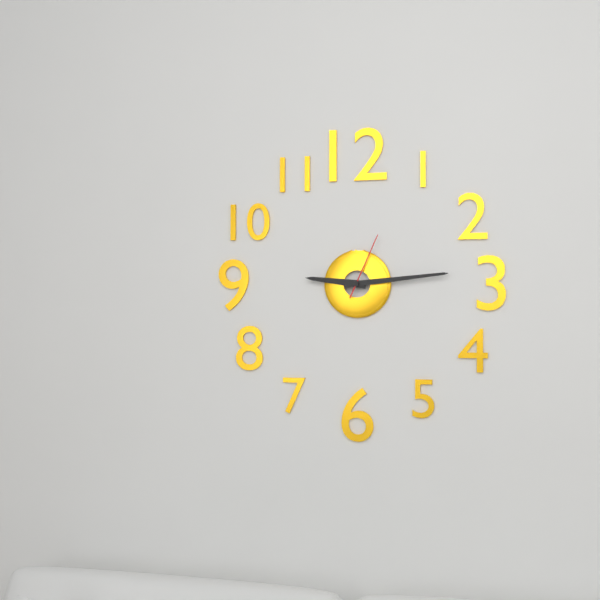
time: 9:14:04
